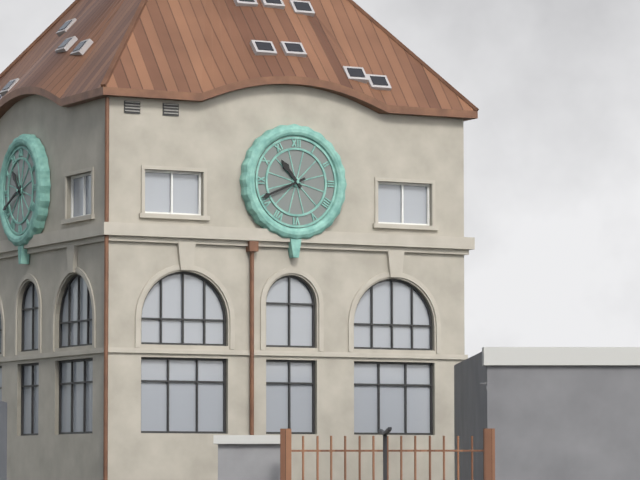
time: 10:41
